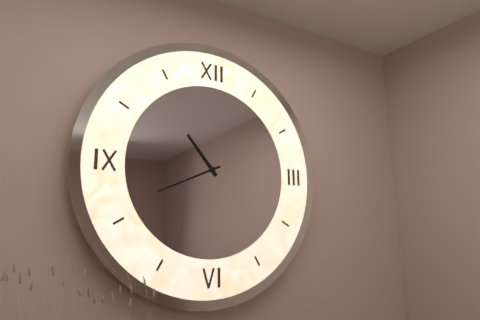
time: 10:41
